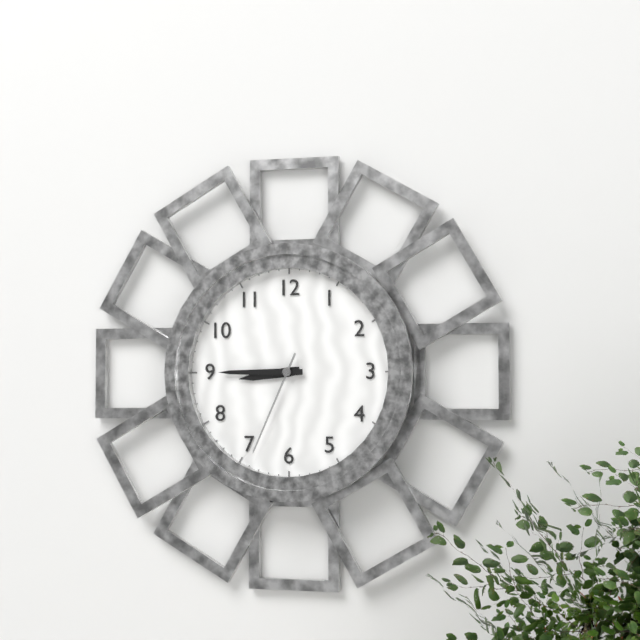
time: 8:45:34
